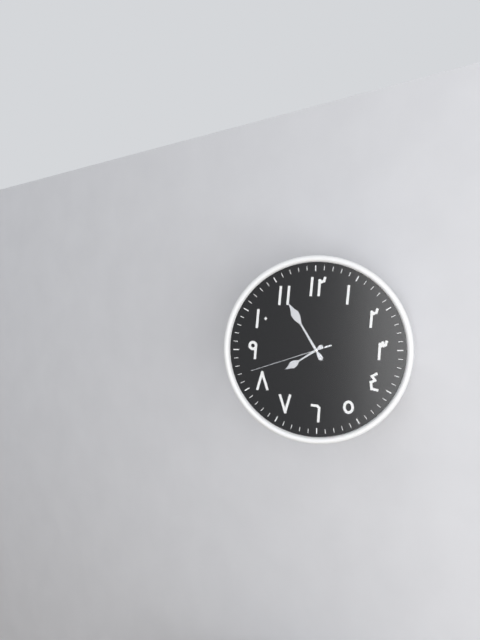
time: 7:55:42
